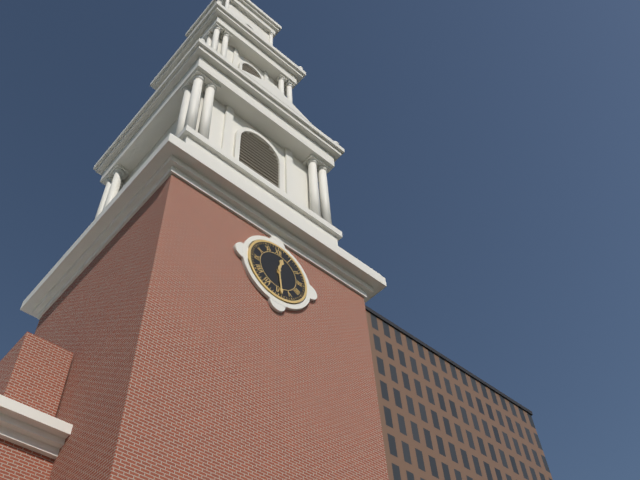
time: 12:29
